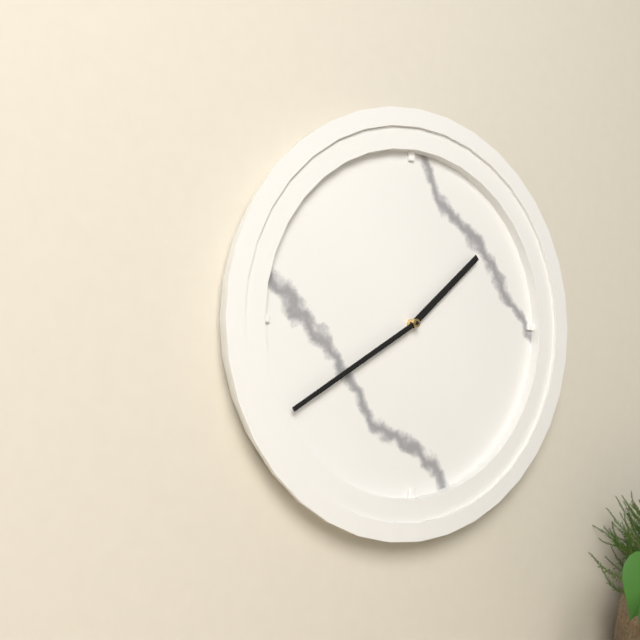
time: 1:40
